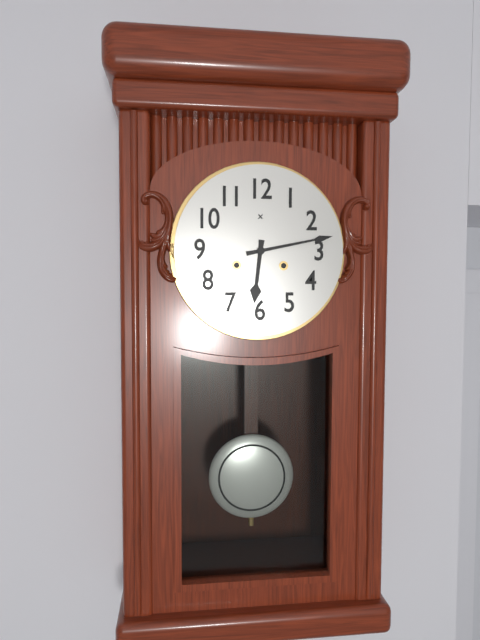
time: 6:13
